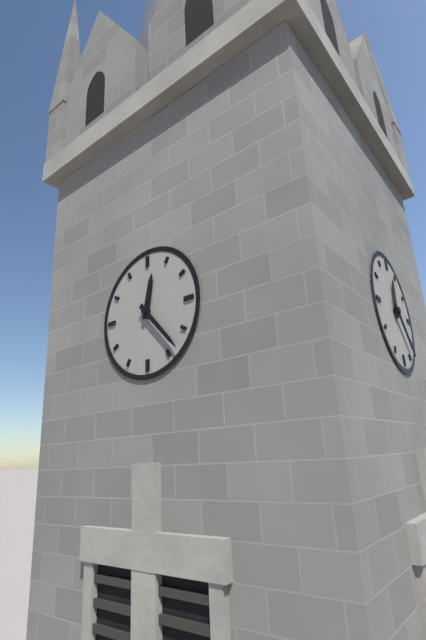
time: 12:23
